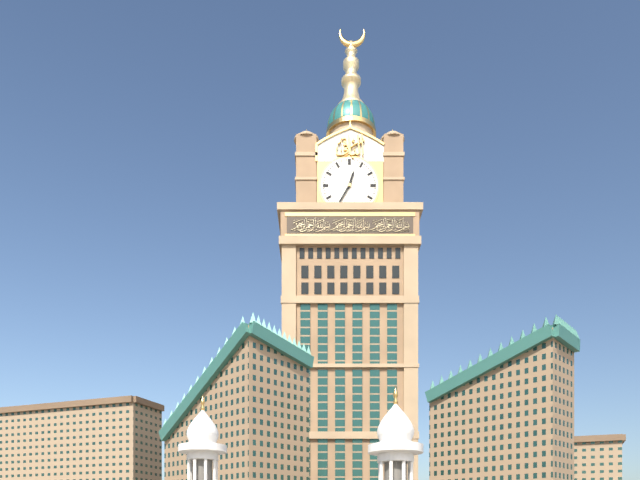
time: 12:35
